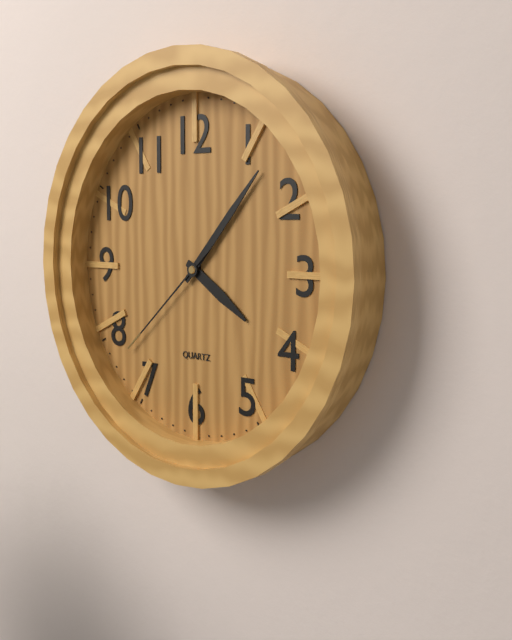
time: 4:07:38
